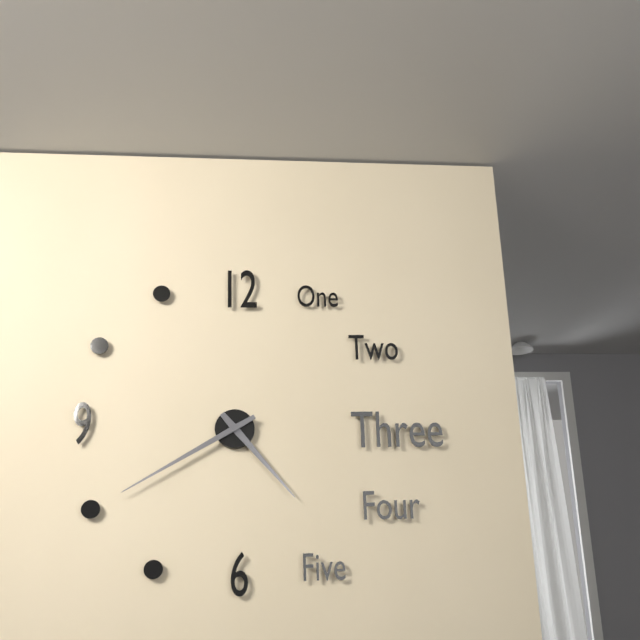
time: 4:40
